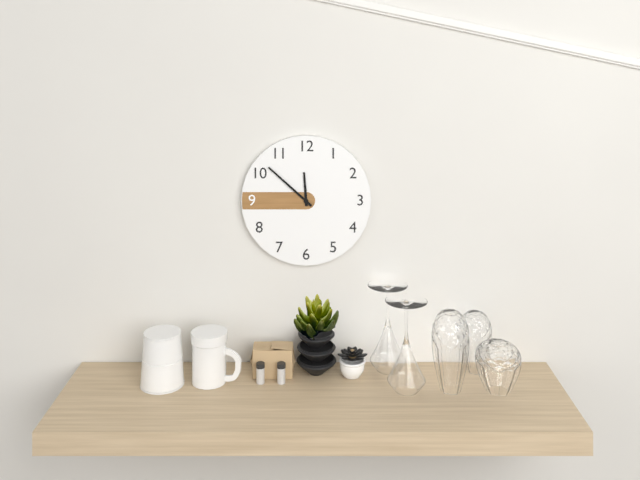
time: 11:52
